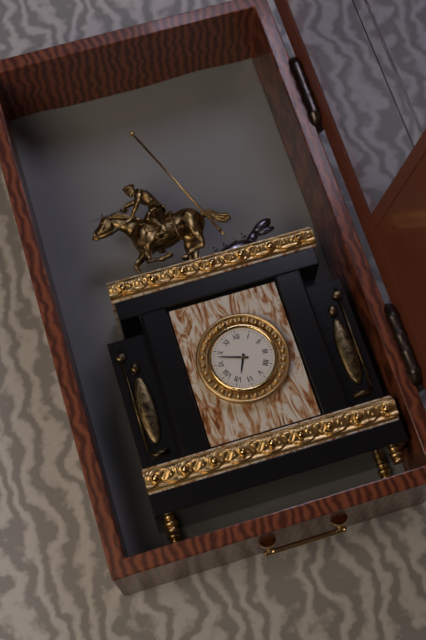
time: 6:48
